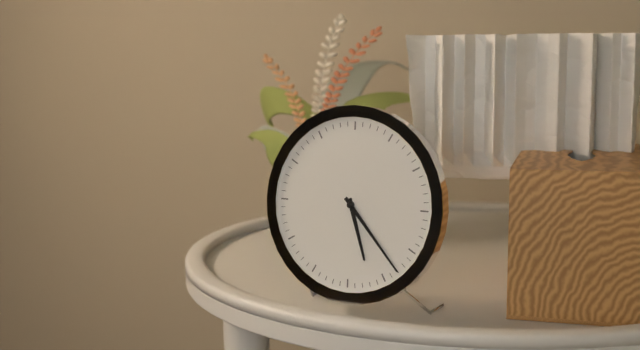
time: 5:23
